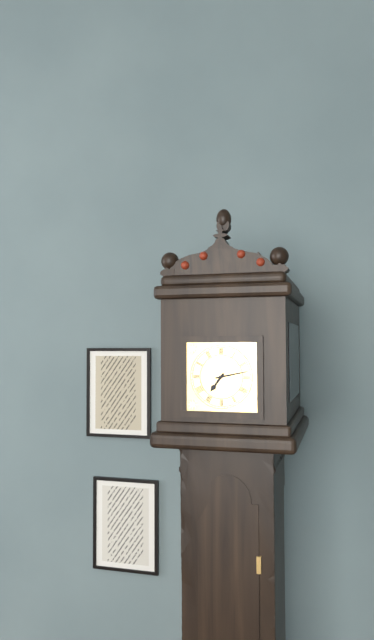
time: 7:13
